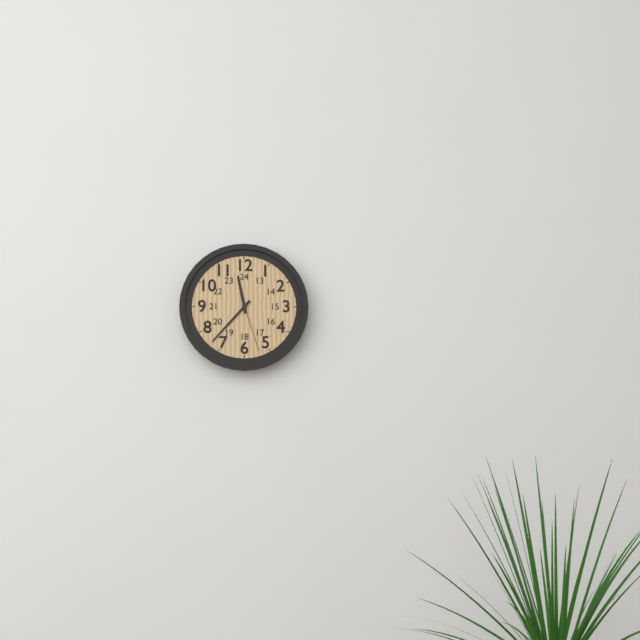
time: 11:37:27
